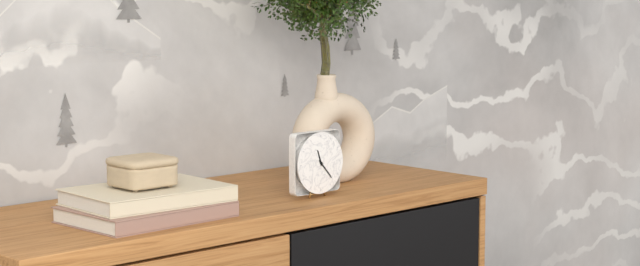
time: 11:23
